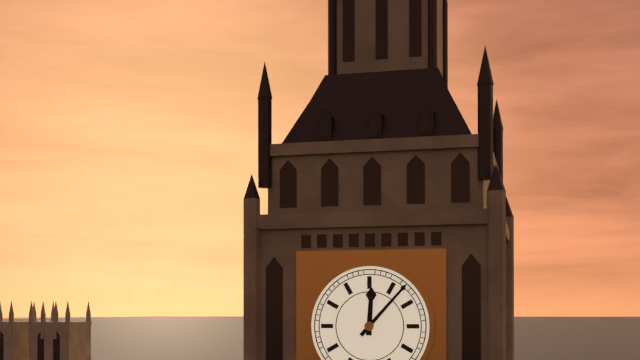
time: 12:07
